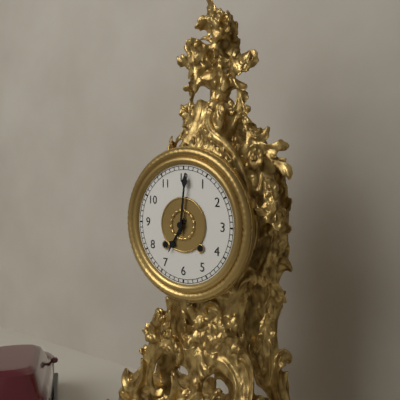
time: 7:01
